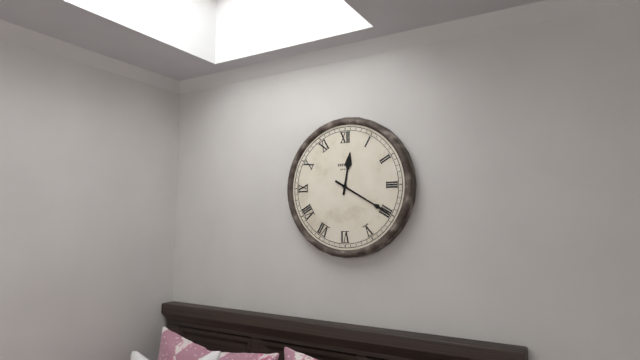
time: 12:20
